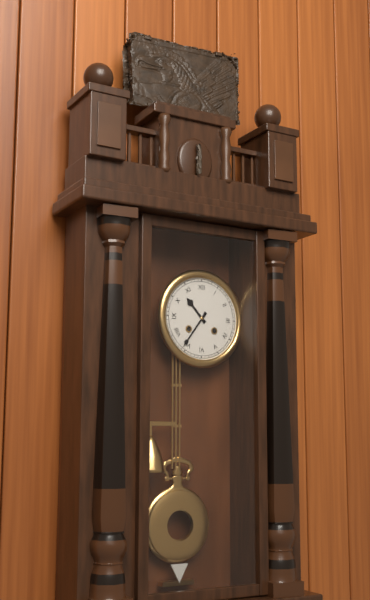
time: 10:36
